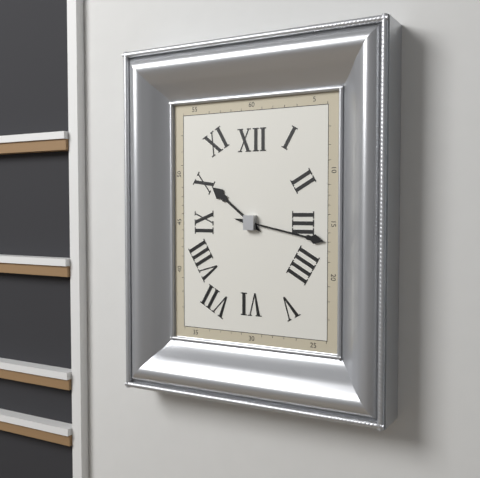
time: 10:17
